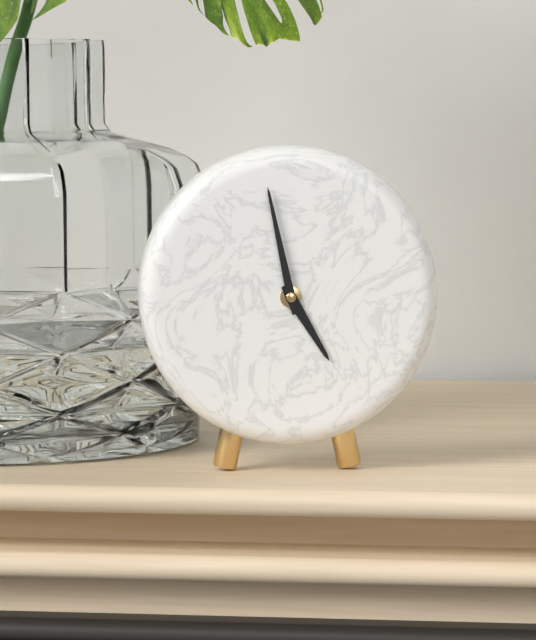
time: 4:58
